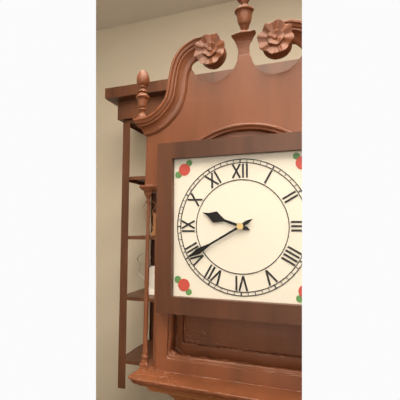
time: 9:40
